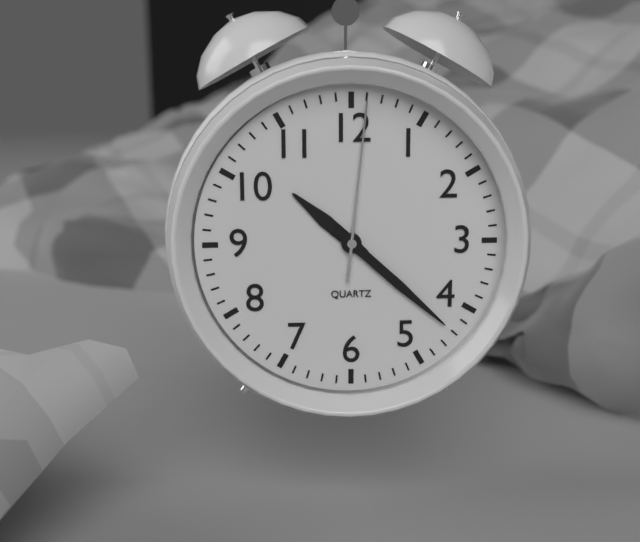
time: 10:22:01
